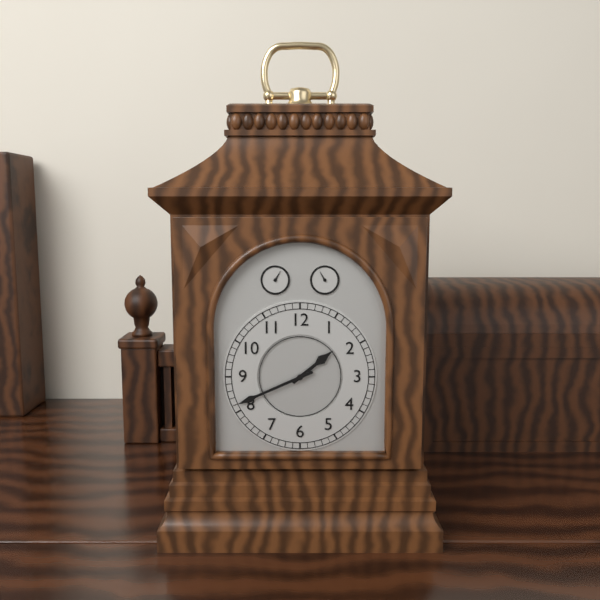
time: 1:41
